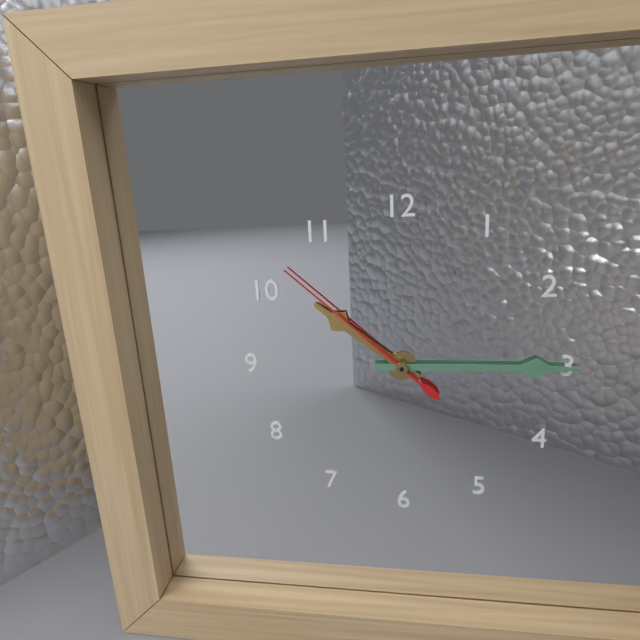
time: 10:15:52
